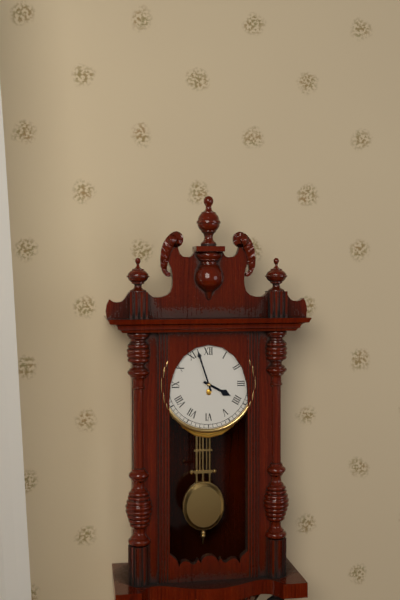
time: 3:57
